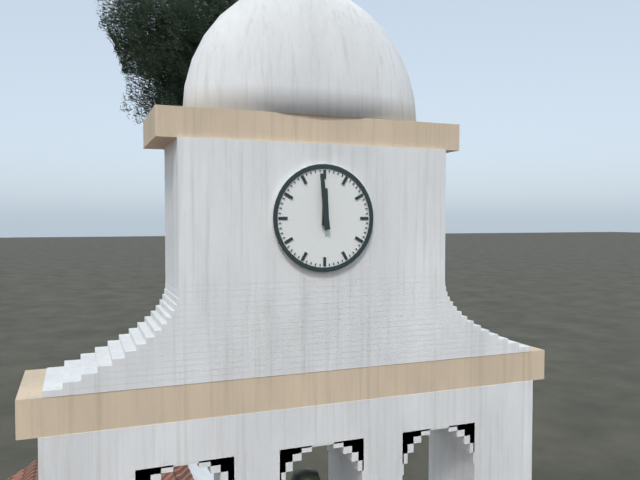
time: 11:59
